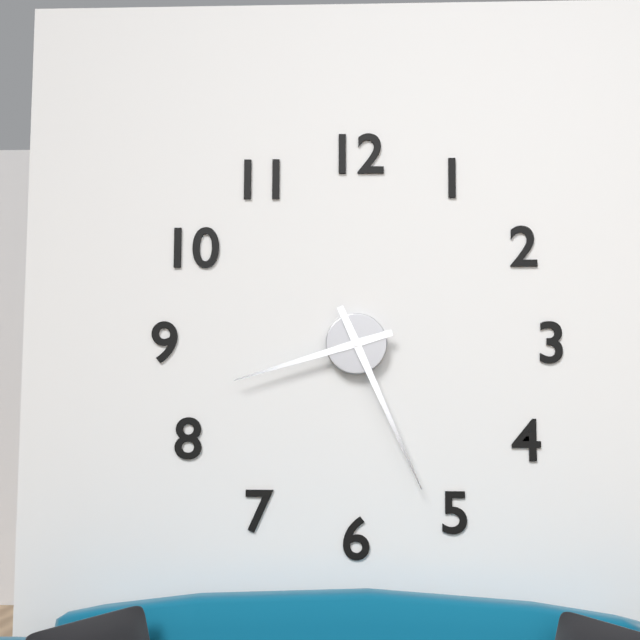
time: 8:26
